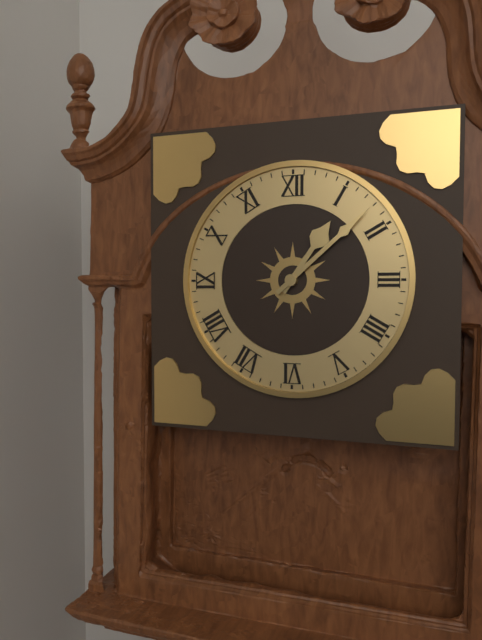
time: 1:08
